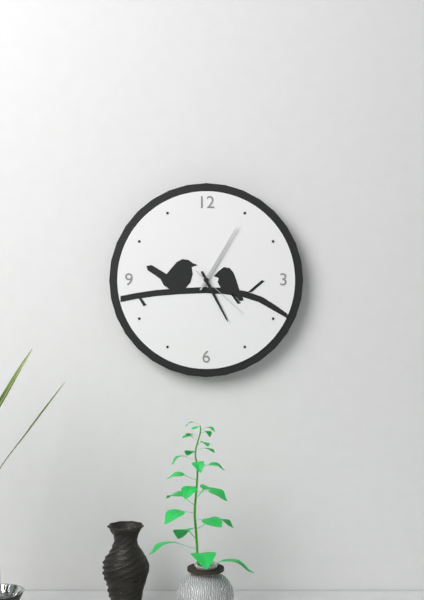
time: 5:05:22
